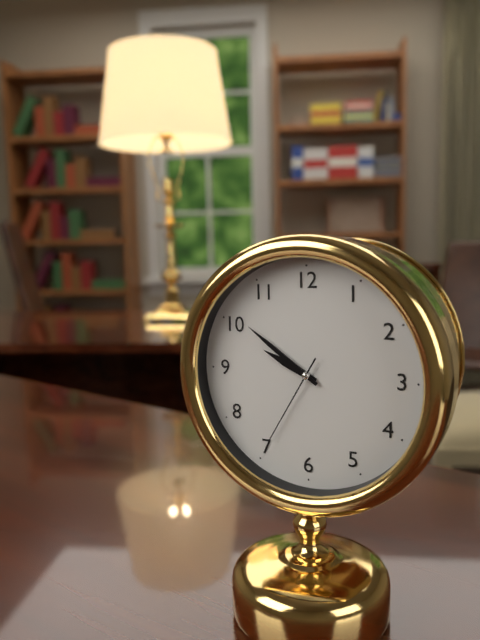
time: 9:51:35
